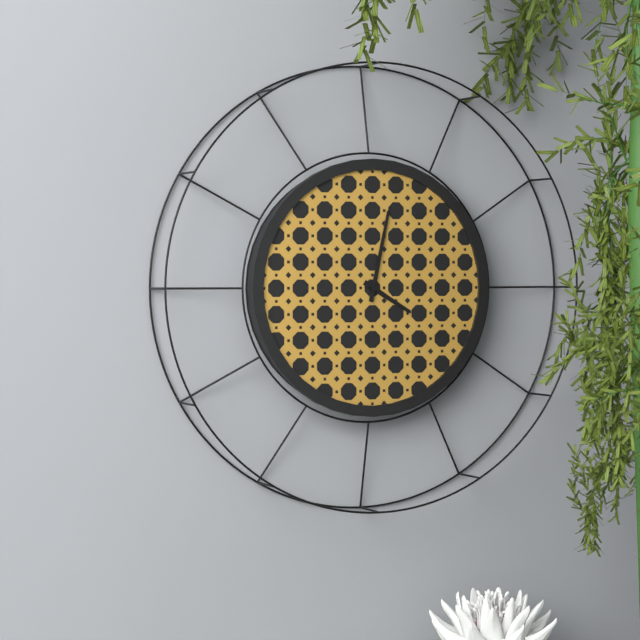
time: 4:02
